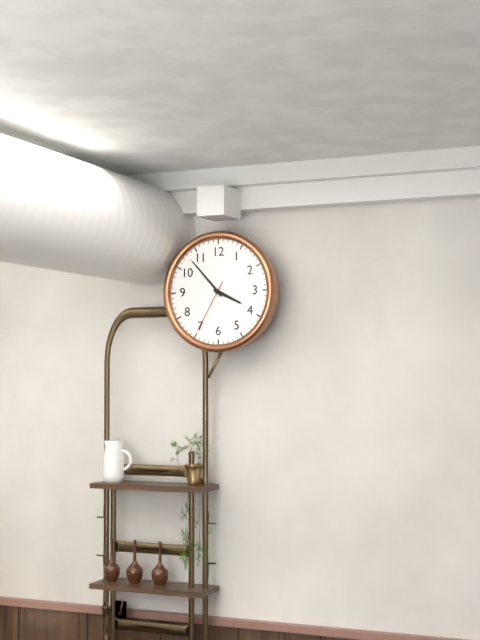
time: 3:53:35
